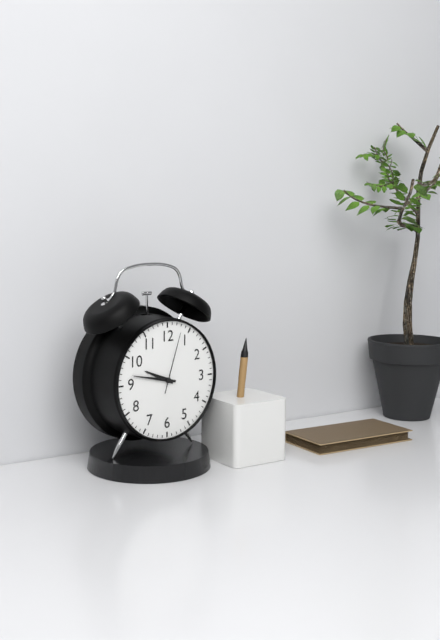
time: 9:47:03
